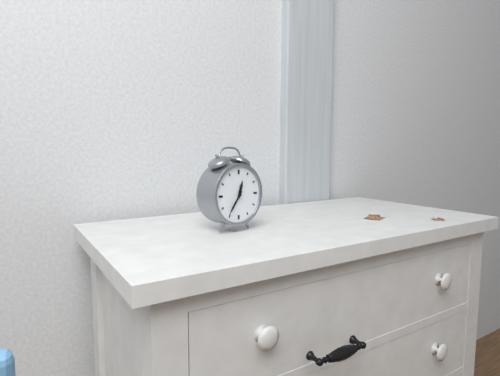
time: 12:36
